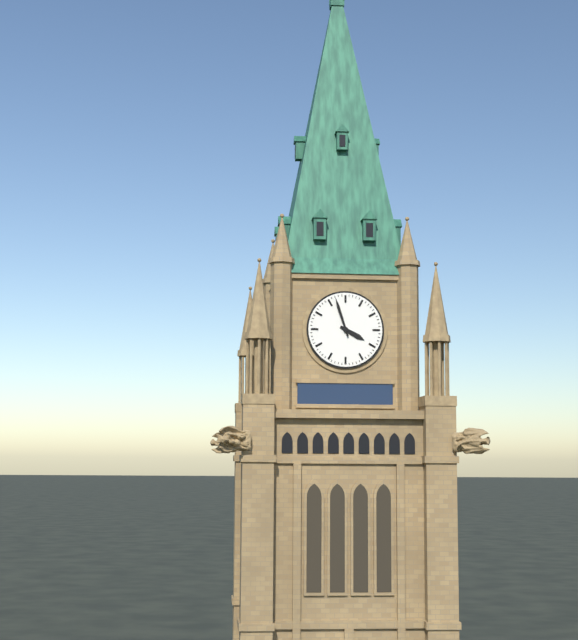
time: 3:57
